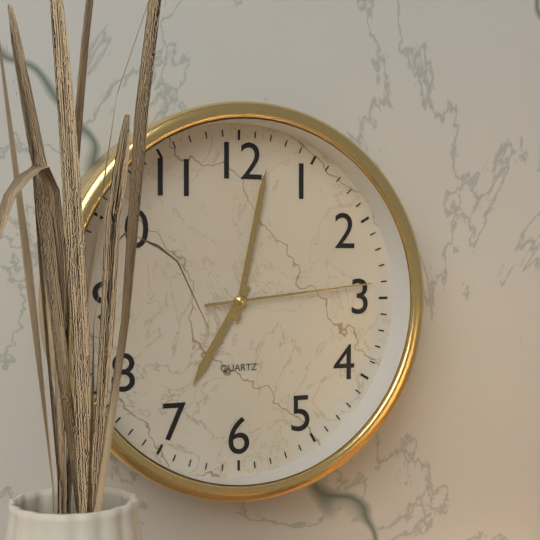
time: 7:02:14
